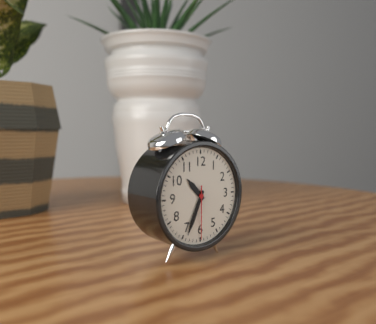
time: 10:34:30
